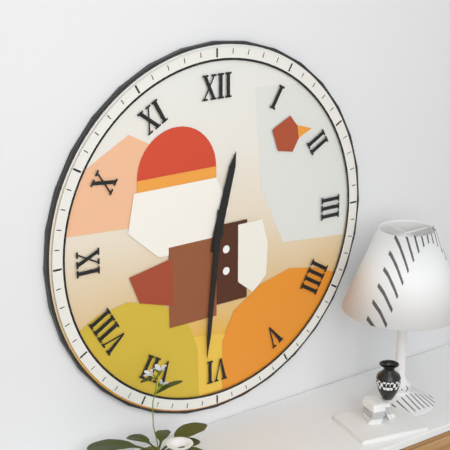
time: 12:31
